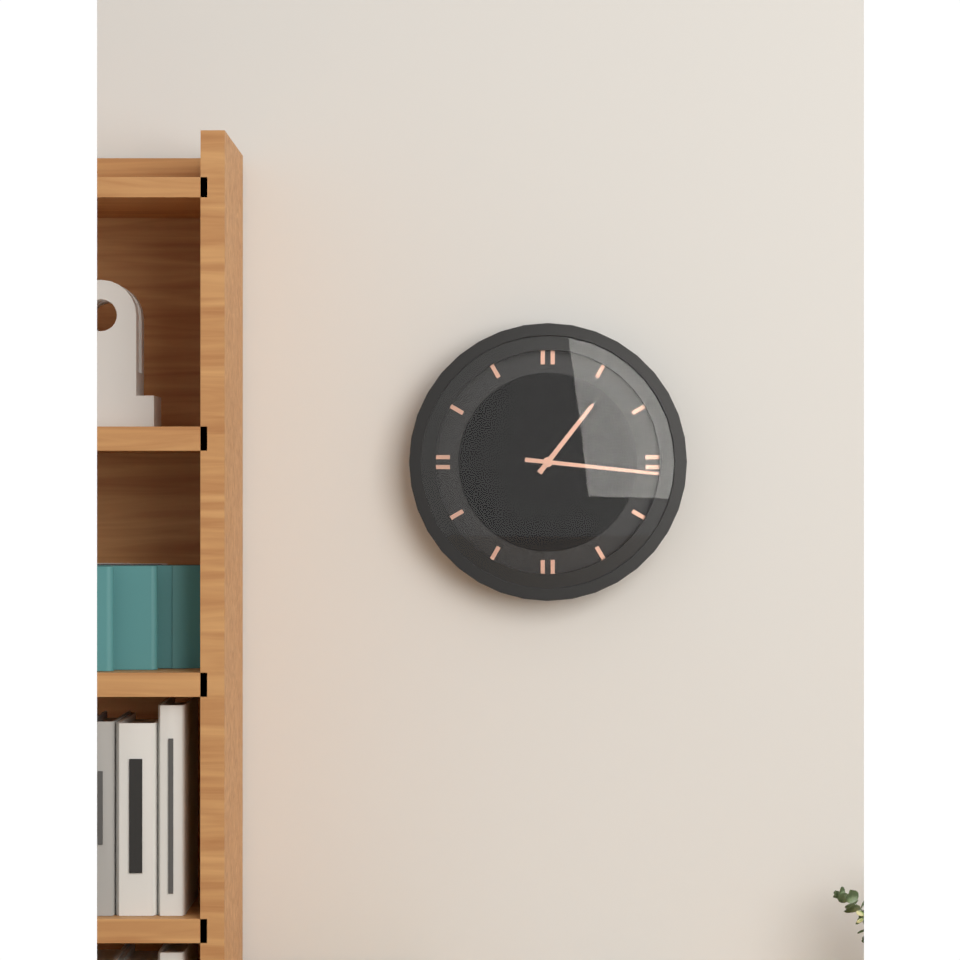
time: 1:16
